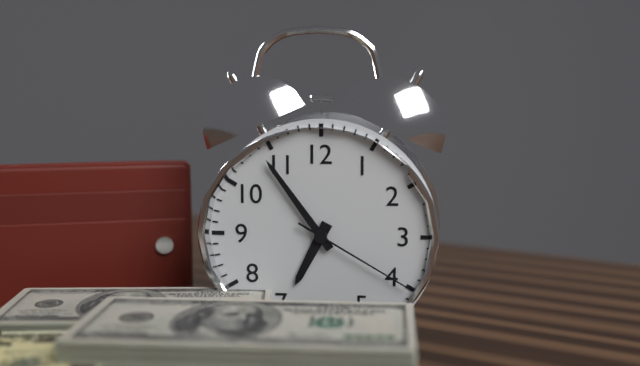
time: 6:54:20
